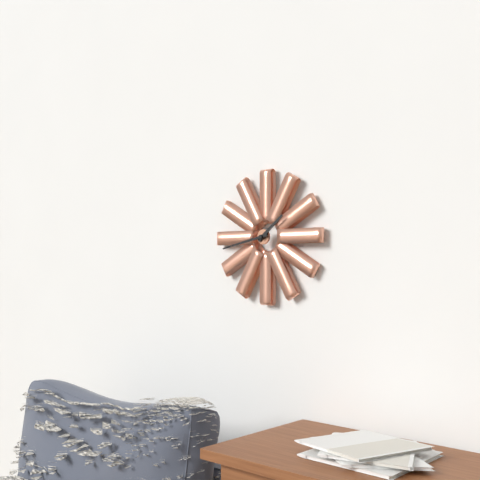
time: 1:43
